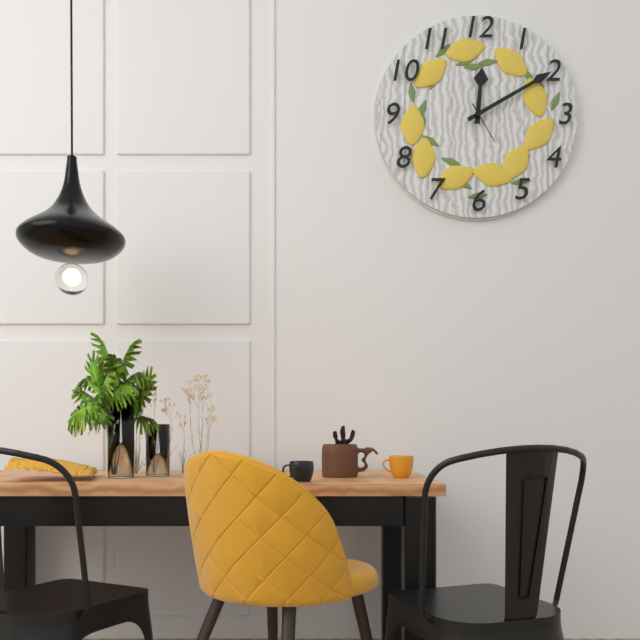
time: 12:10
